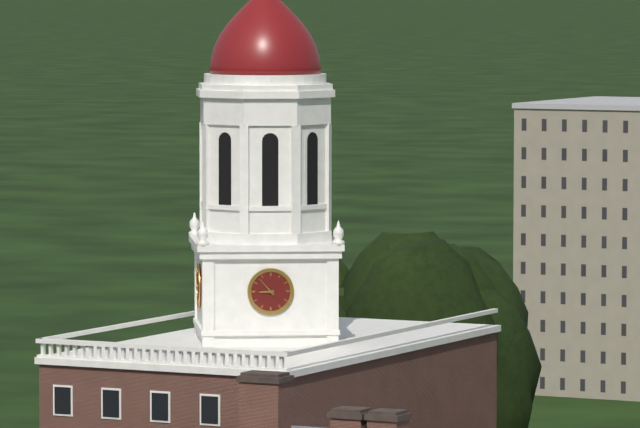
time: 8:53
